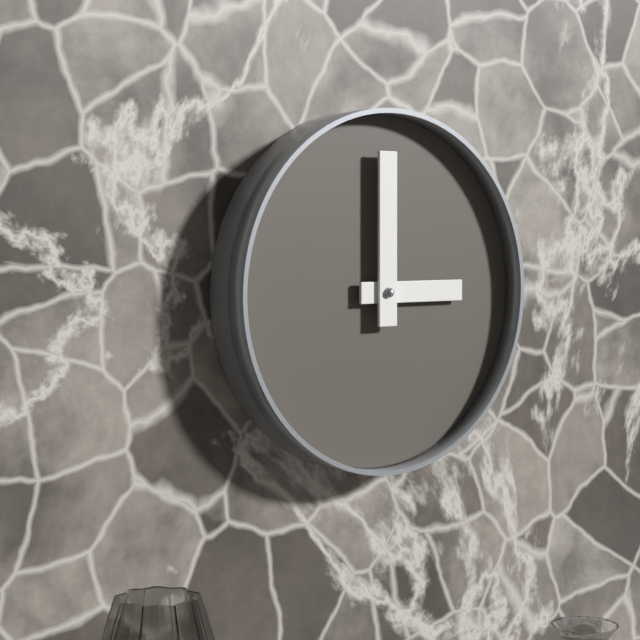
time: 3:00
